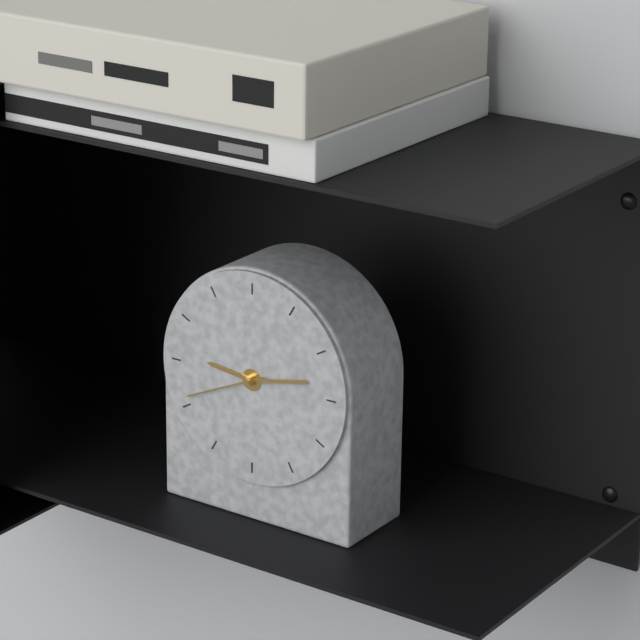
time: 9:13:41
